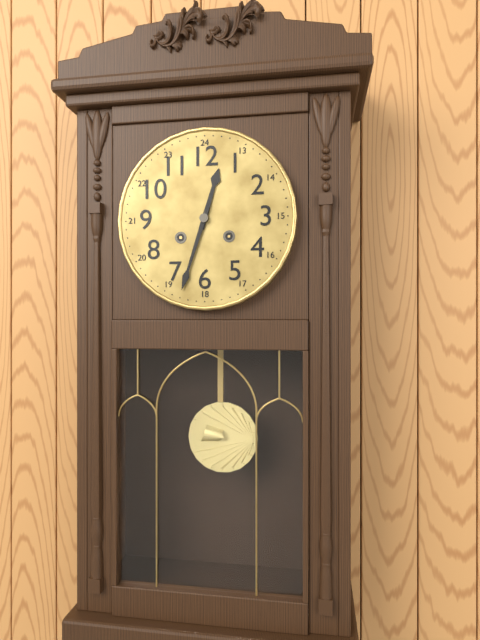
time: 12:33
